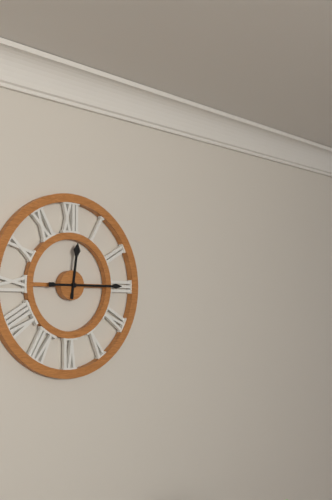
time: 12:15
